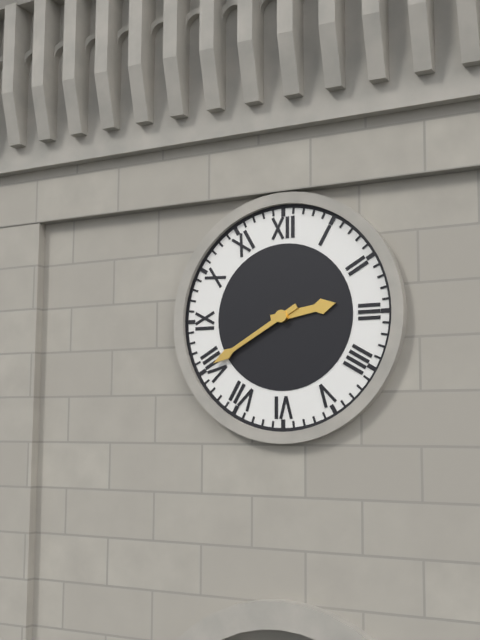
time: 2:40
